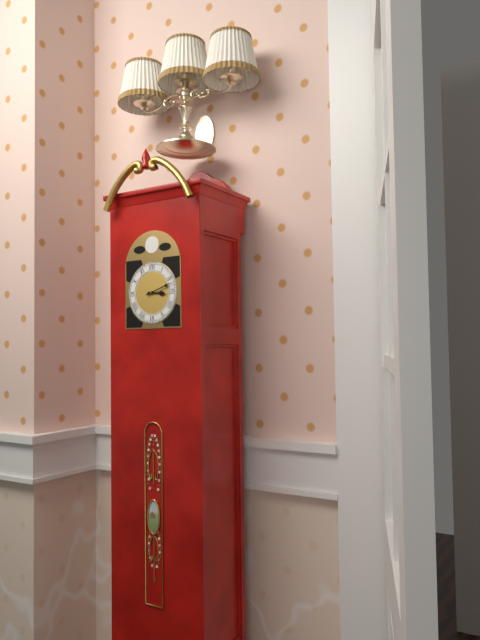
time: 3:12
